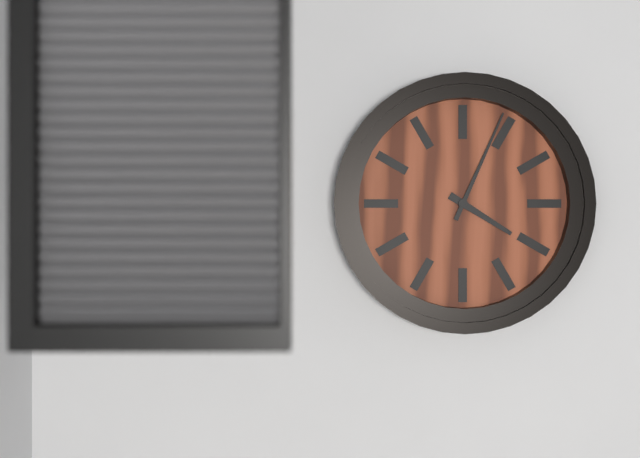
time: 4:04
